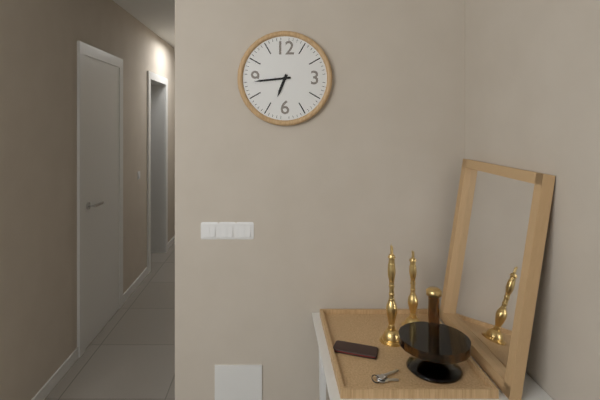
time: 6:44
